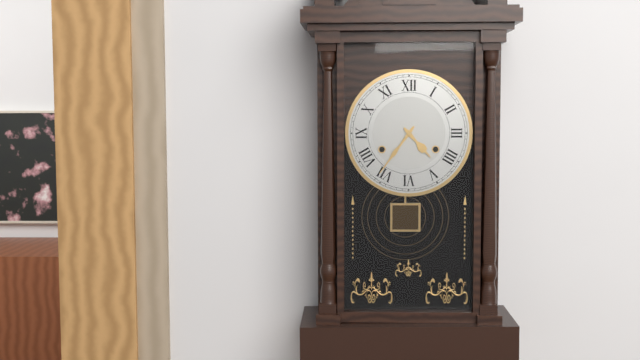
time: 4:36
